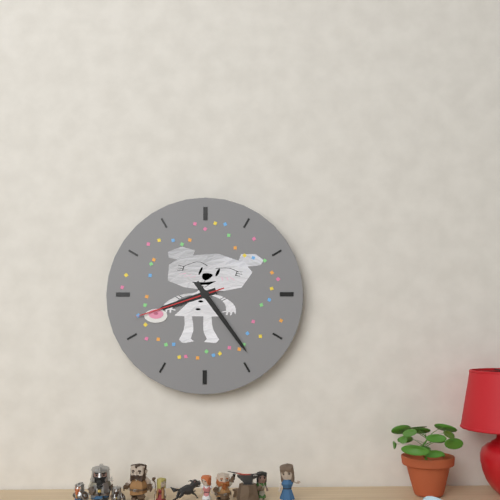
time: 8:24:42
